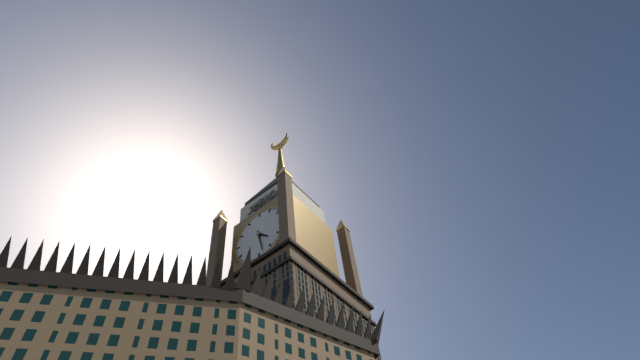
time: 4:28
